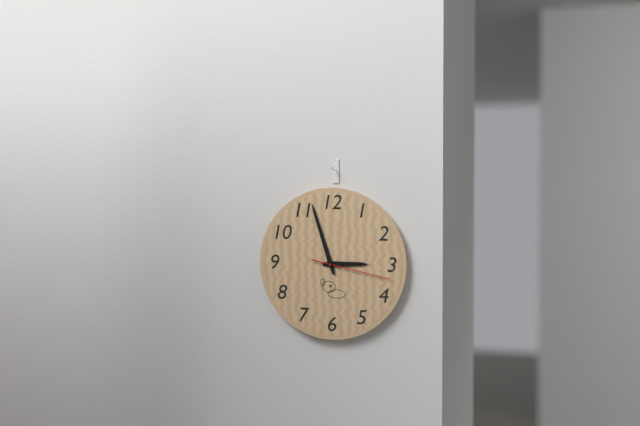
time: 2:57:17
